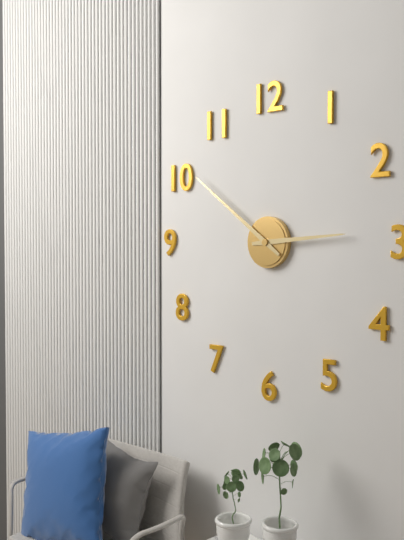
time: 2:51
